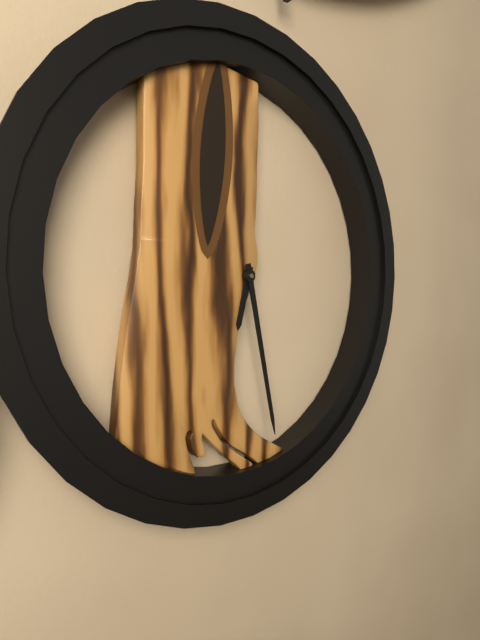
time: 6:28
